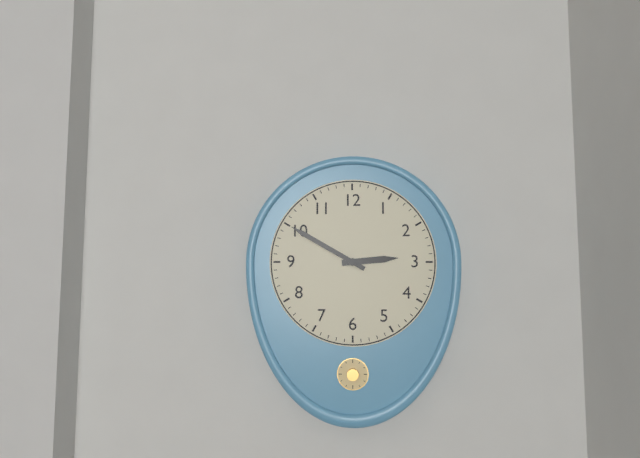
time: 2:50
